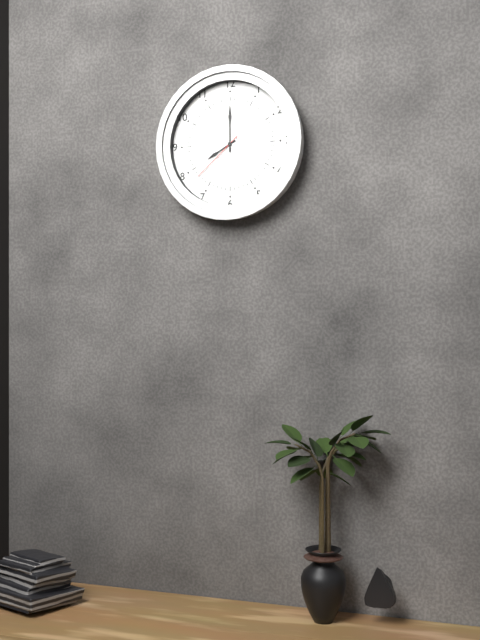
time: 8:00:38
